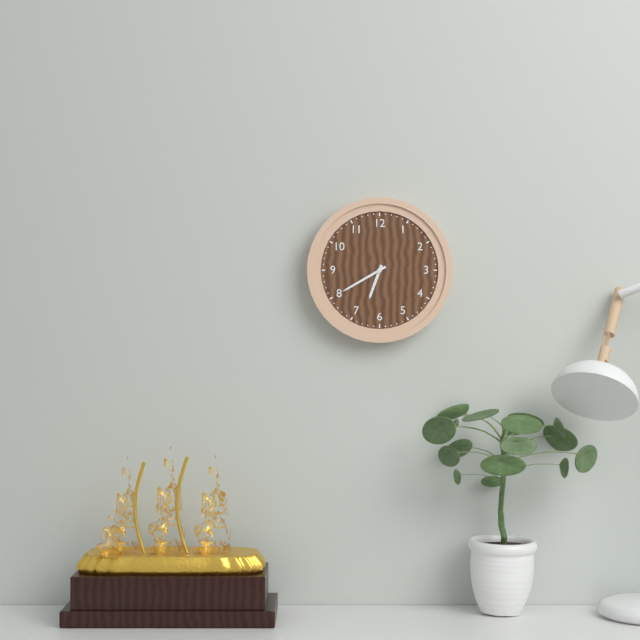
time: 6:40
